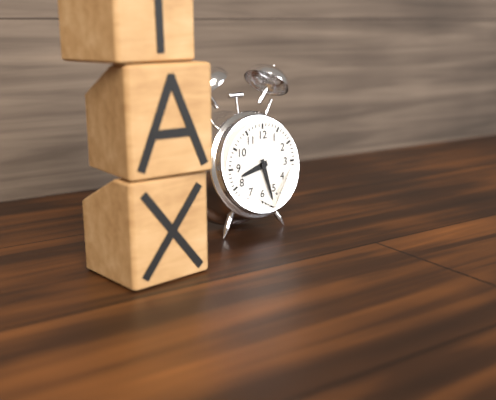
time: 8:27
